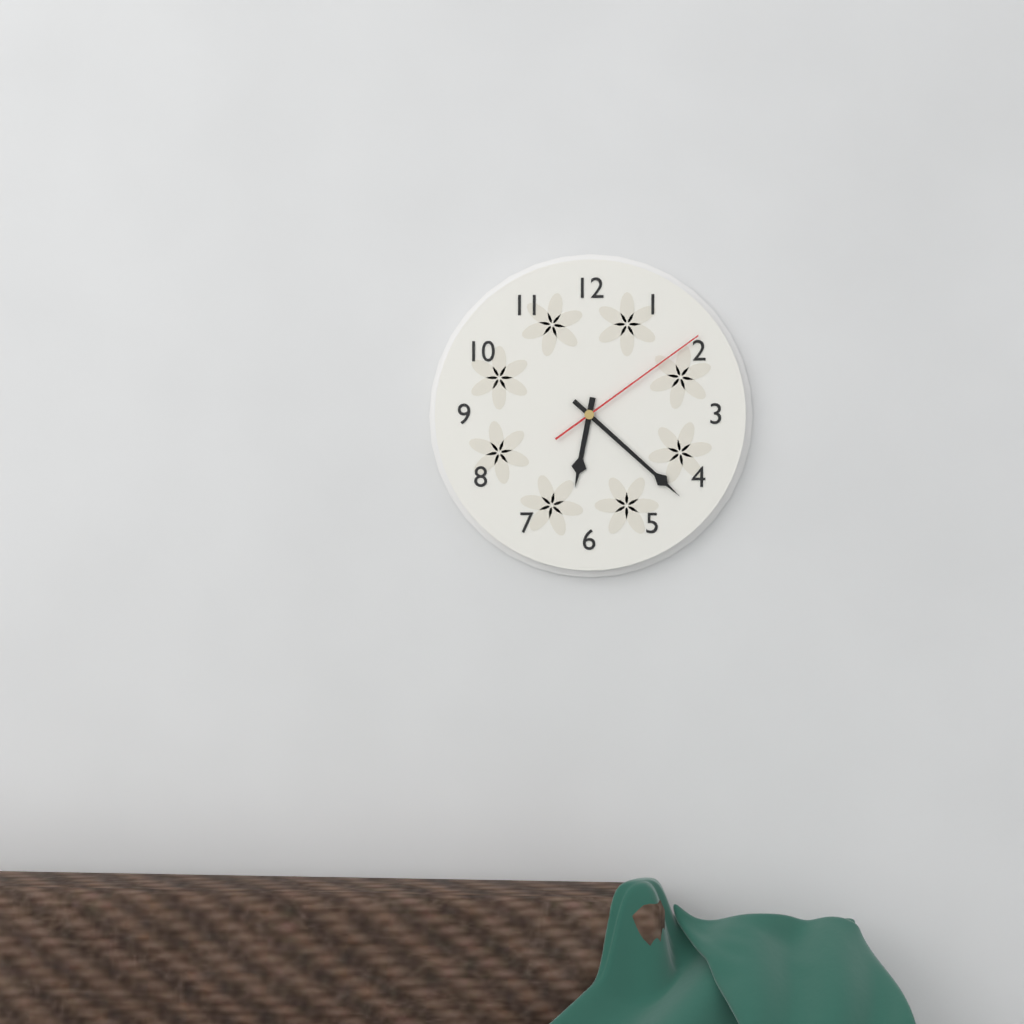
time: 6:22:09
